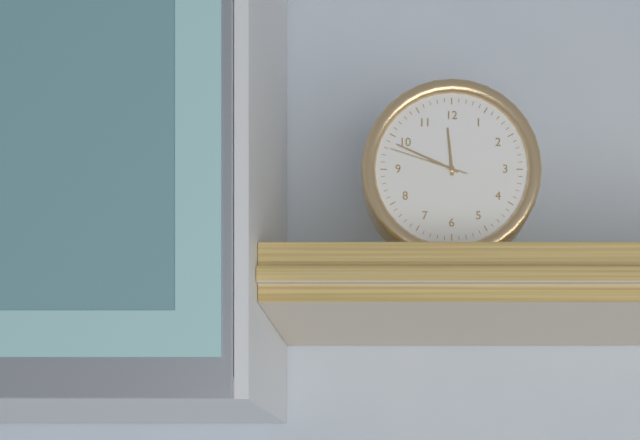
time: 11:49:48
